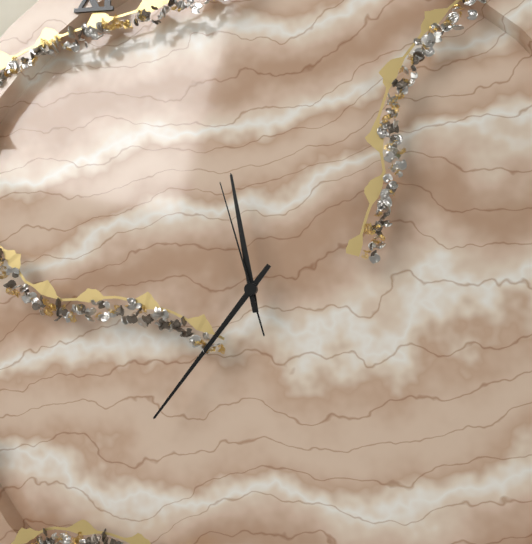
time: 11:36:57
